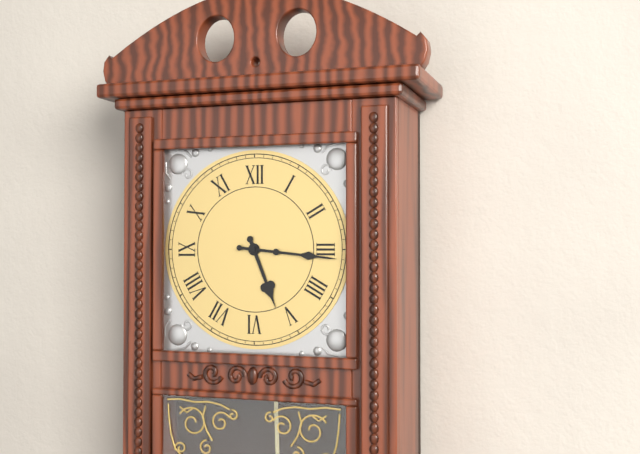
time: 5:16
